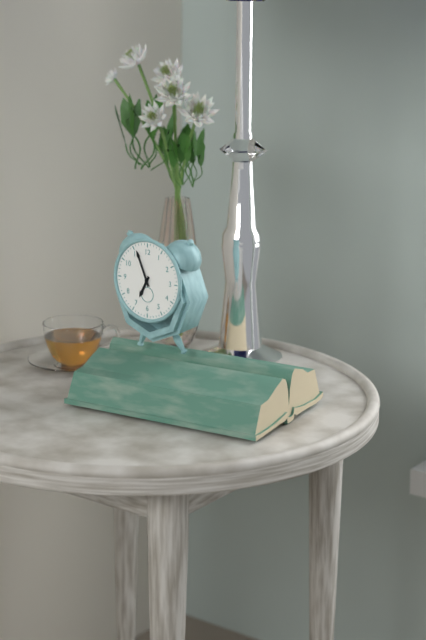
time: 6:56
